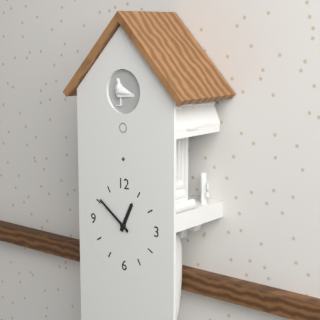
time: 12:51
